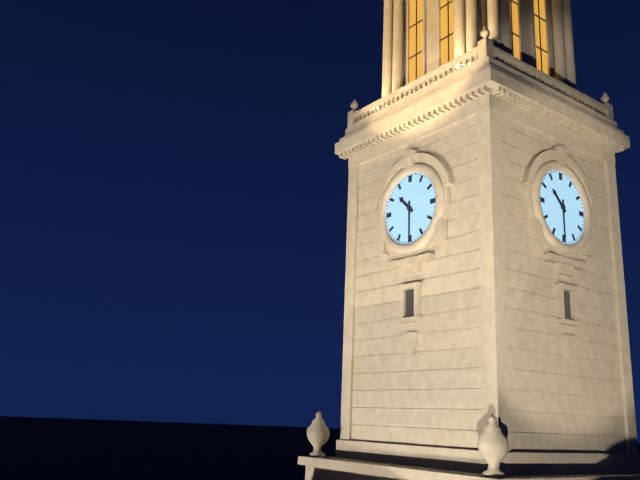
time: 10:30
